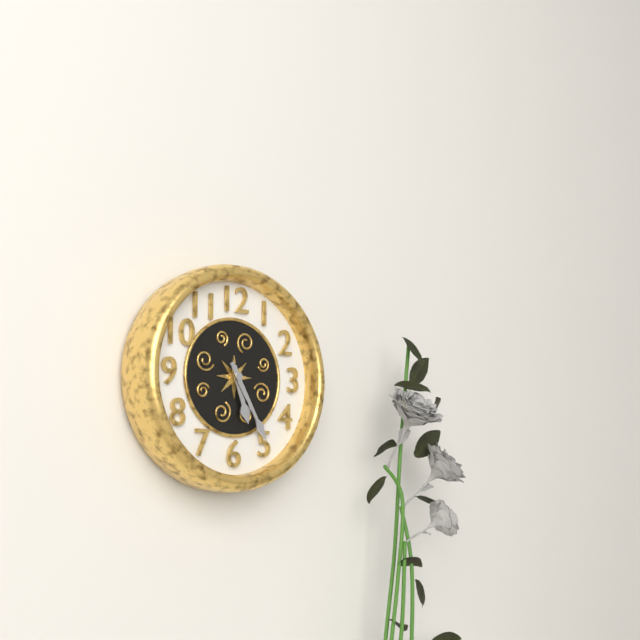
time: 5:25
